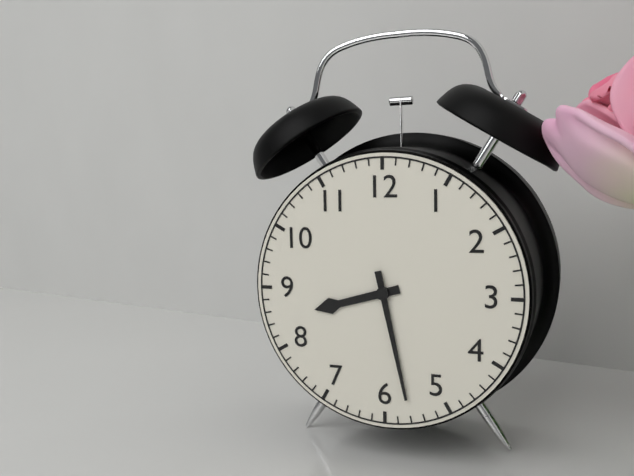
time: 8:28
